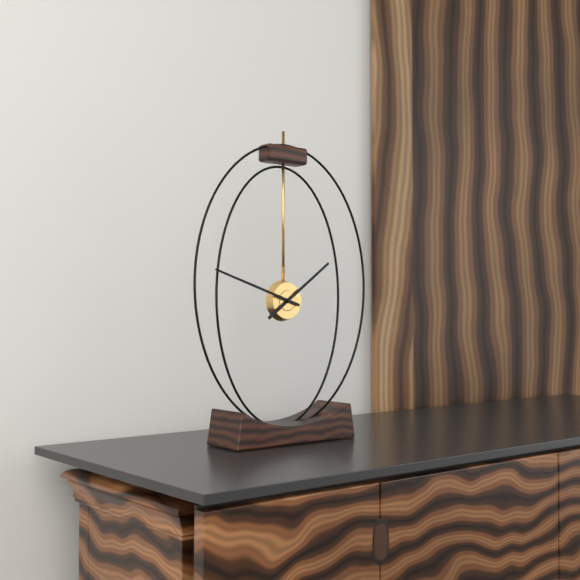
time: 1:48
